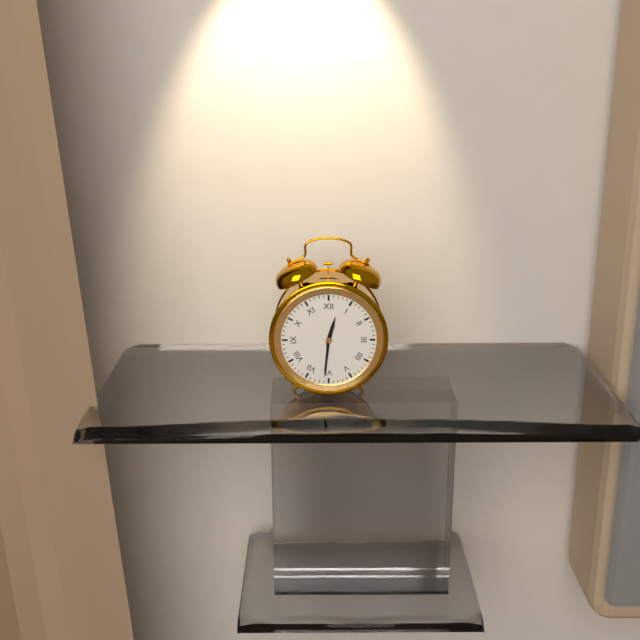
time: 12:31
